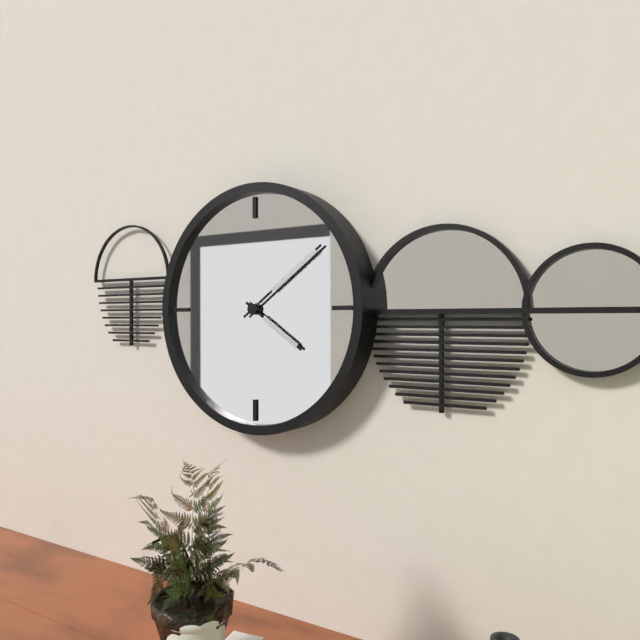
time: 4:09
